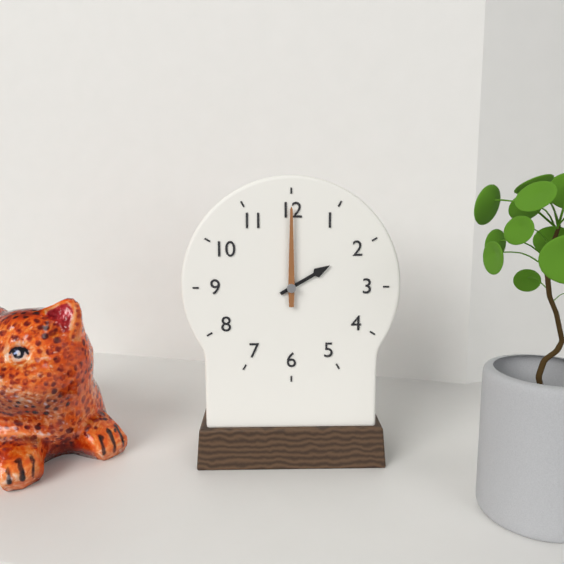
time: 2:00
